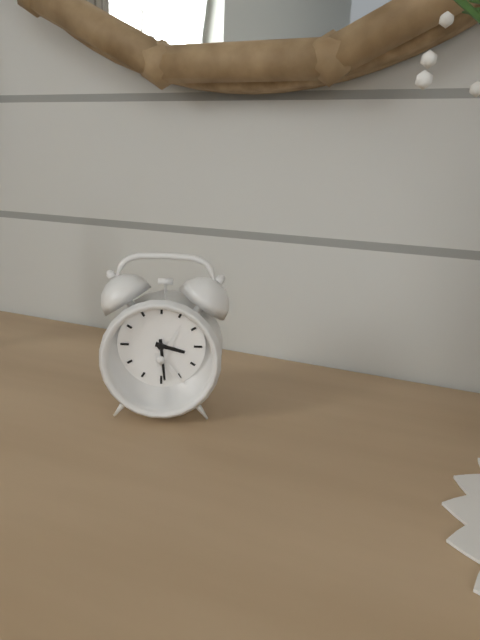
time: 3:29
